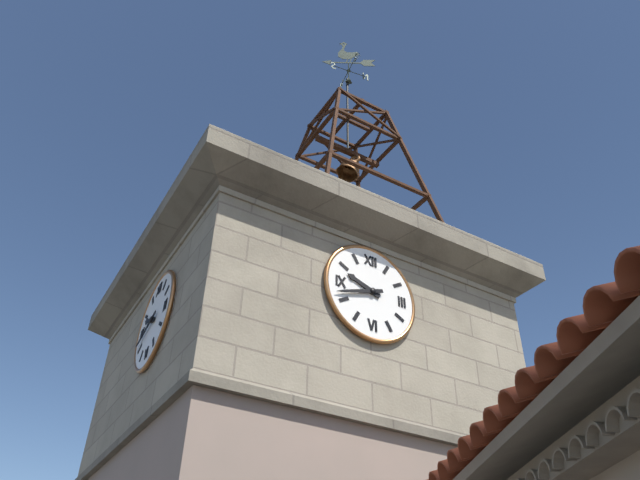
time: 9:42
